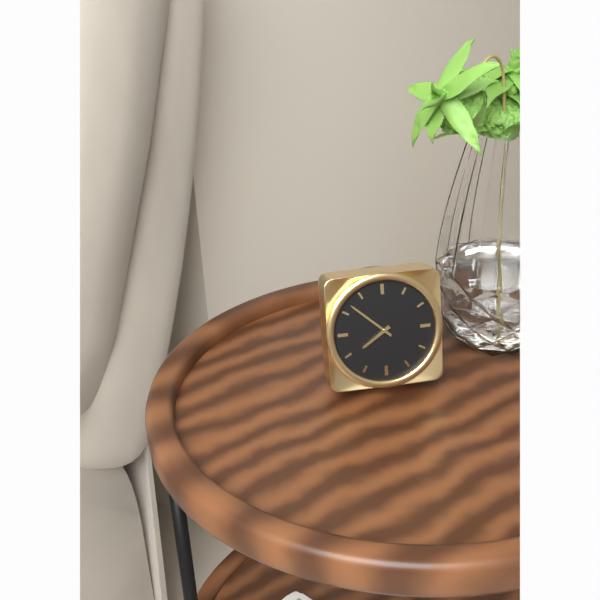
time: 7:52
